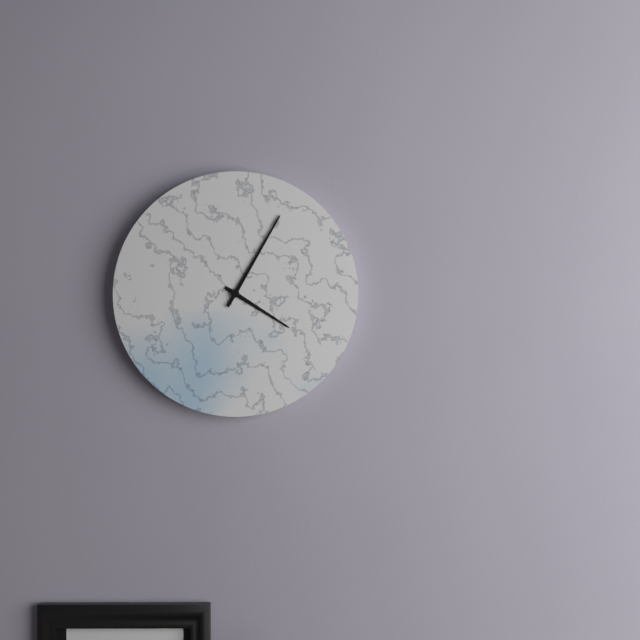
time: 4:05
